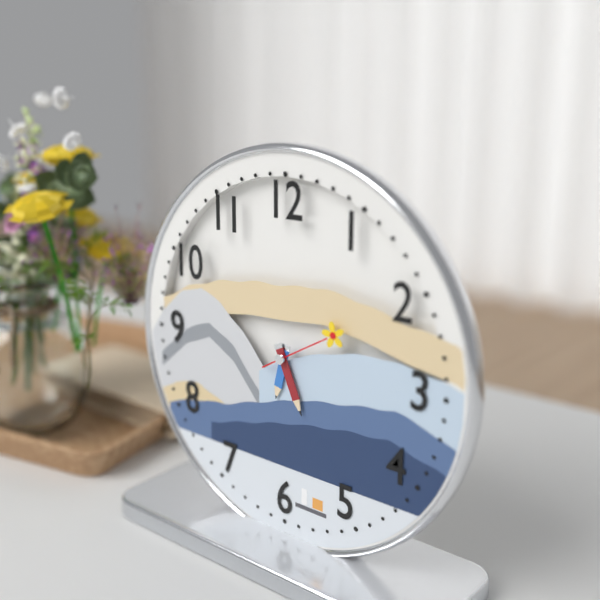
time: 6:26:10
